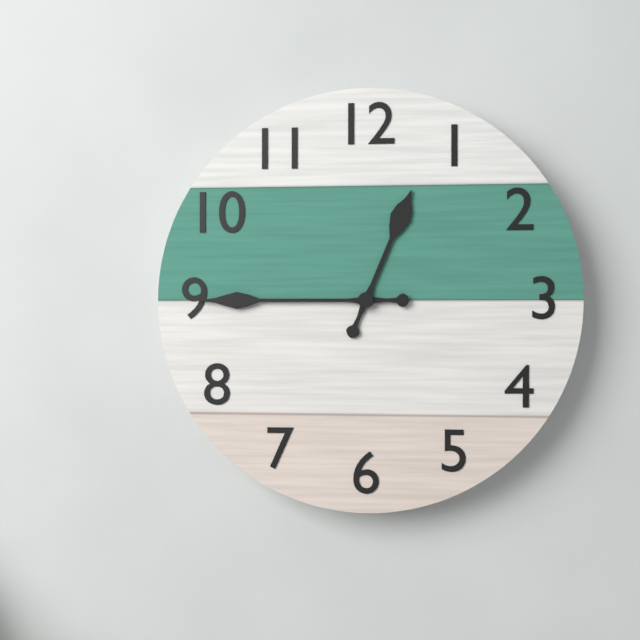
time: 12:45
